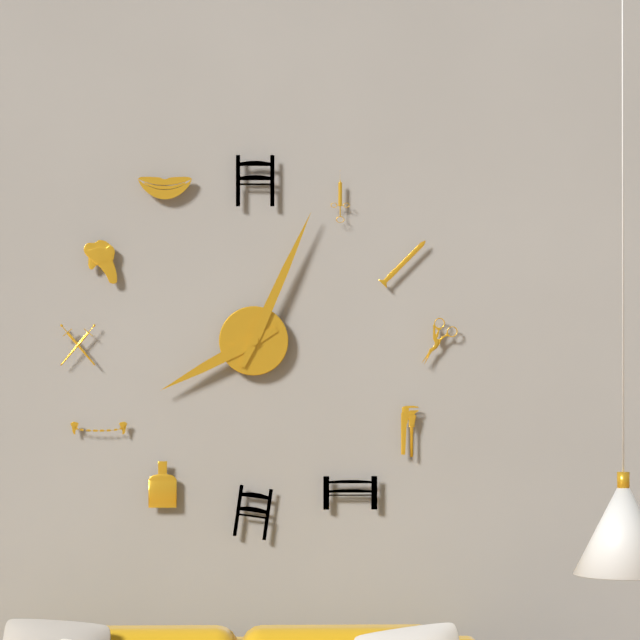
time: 8:04
